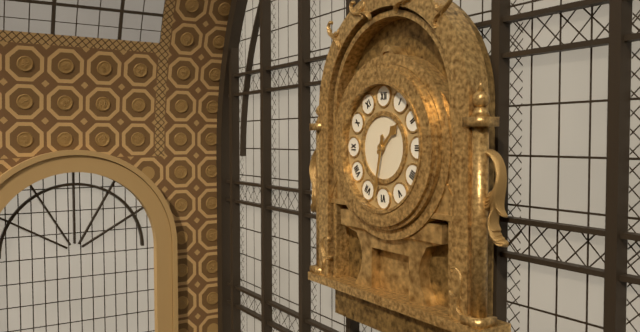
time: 1:32
